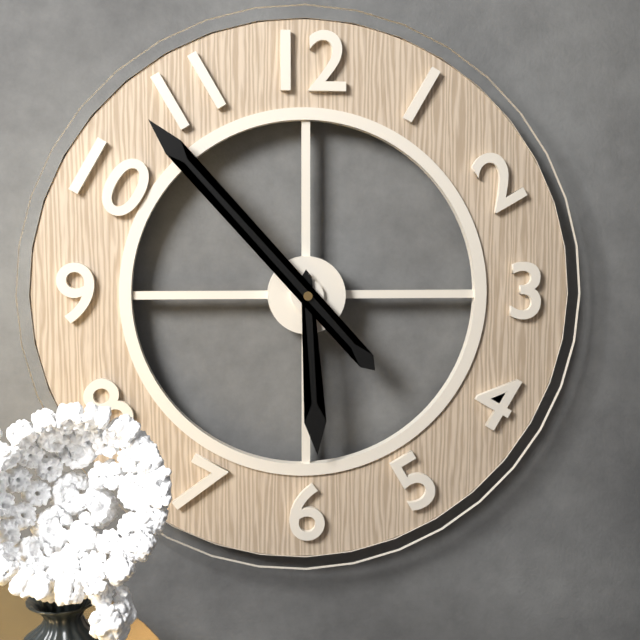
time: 5:53
